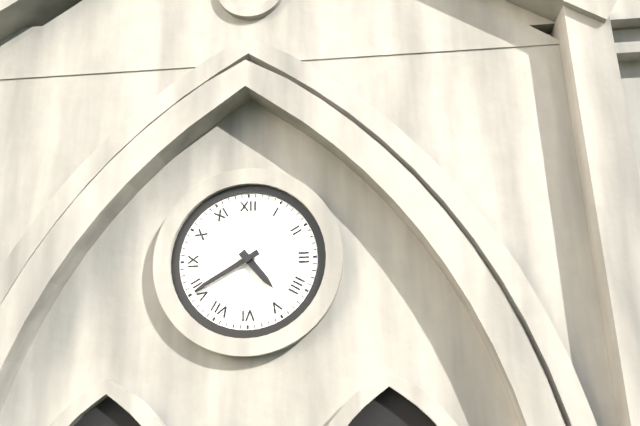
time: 4:40
